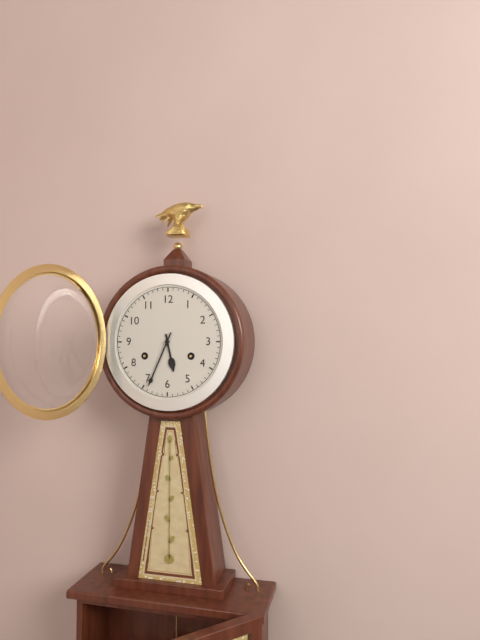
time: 5:34
